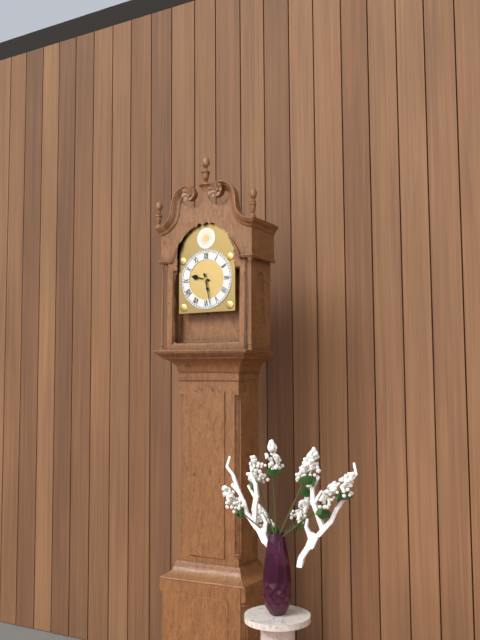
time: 9:28
